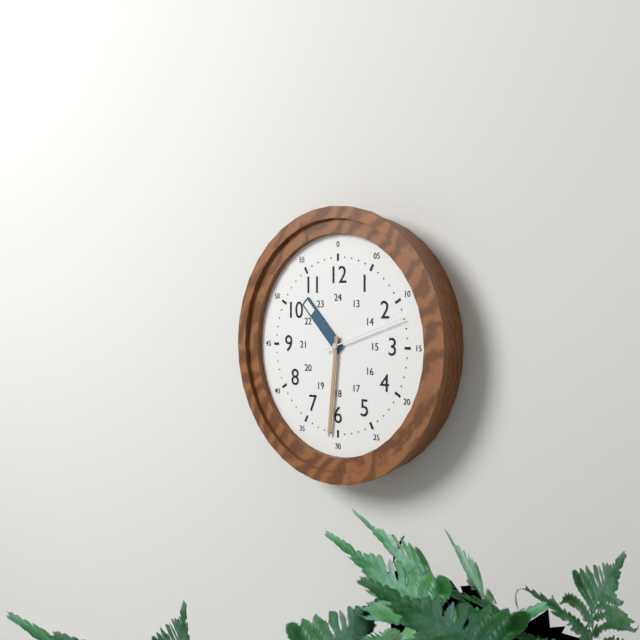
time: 10:31:12
